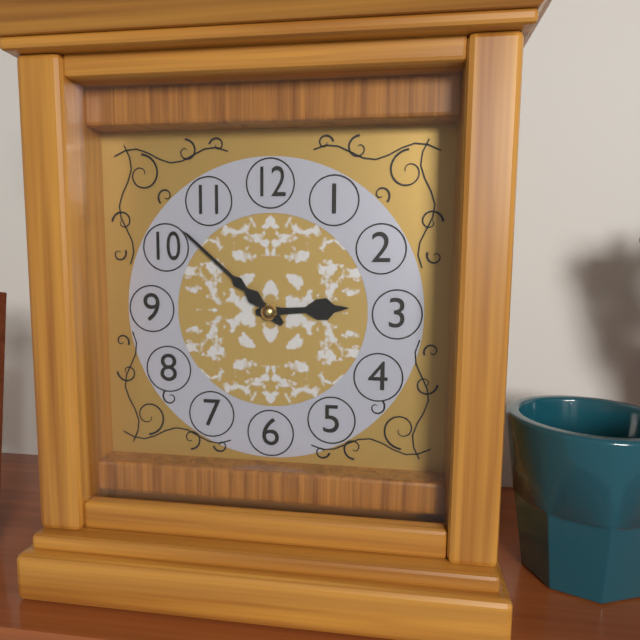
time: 2:52
